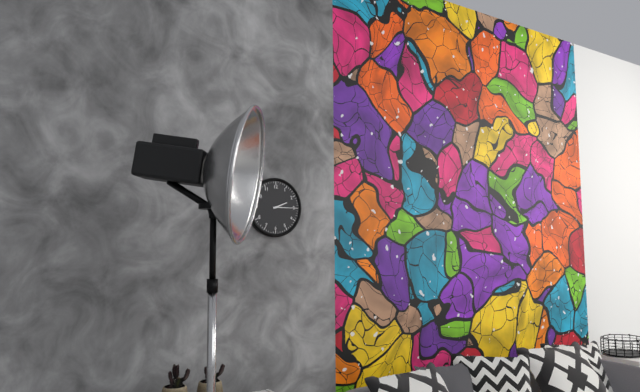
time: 2:15
